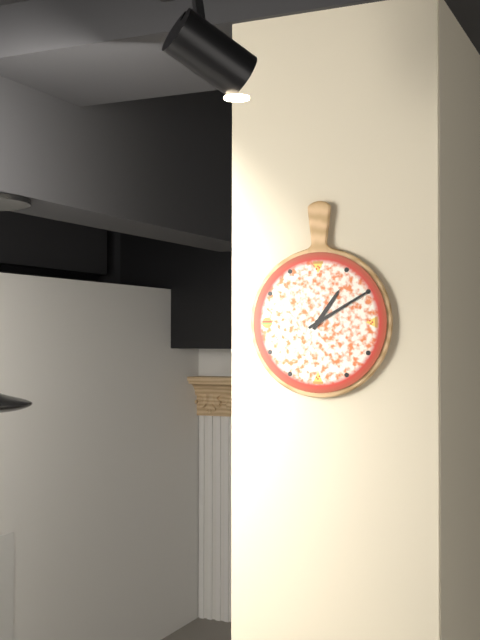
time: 1:10
